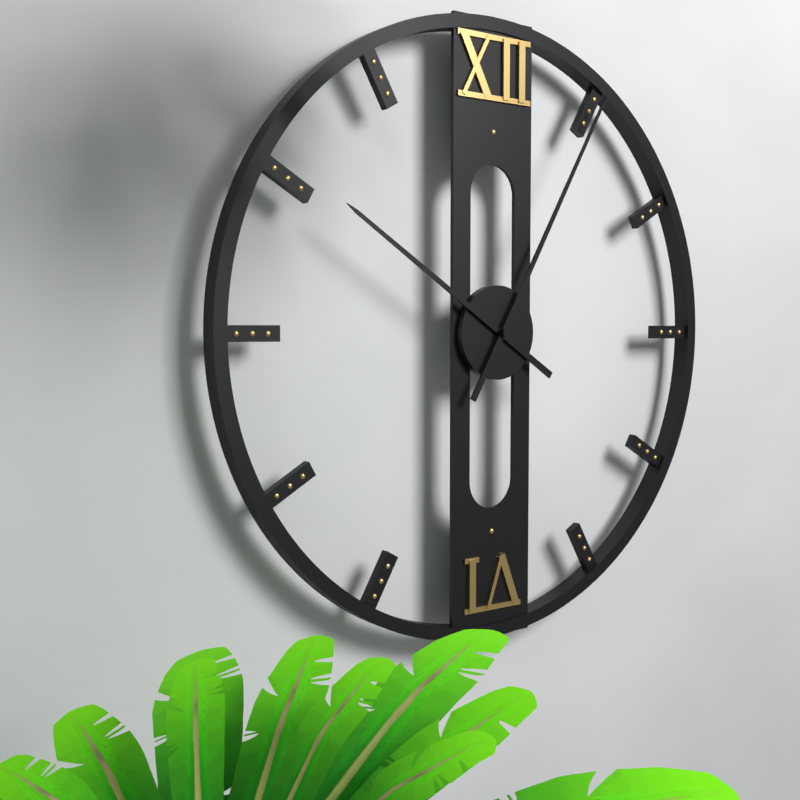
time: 10:05
